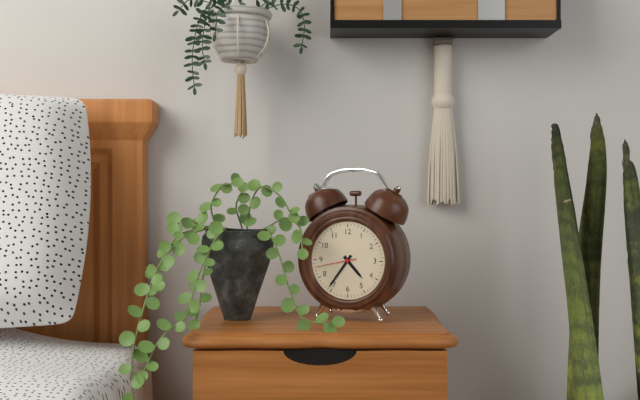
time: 4:36
